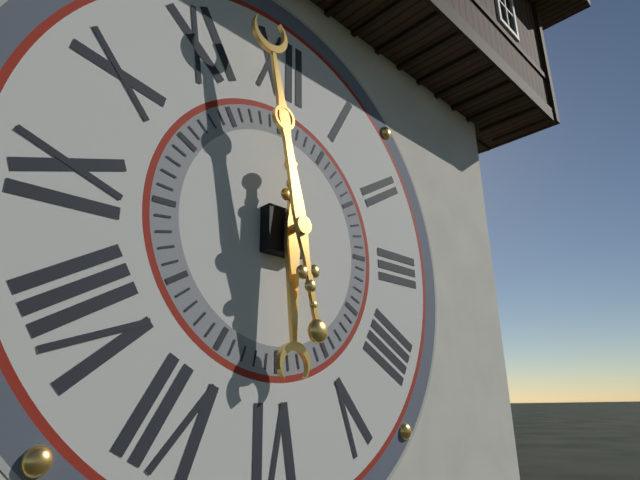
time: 5:58
